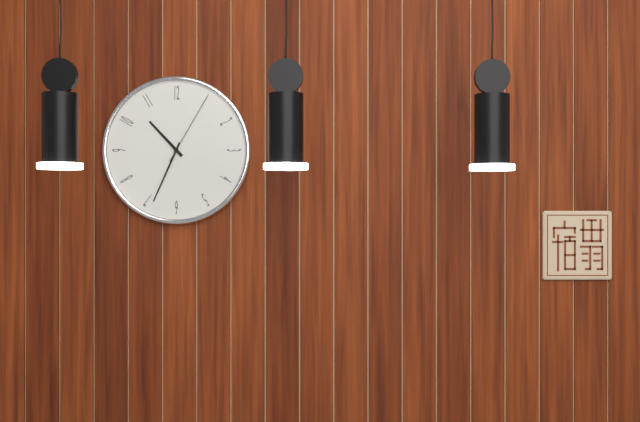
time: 10:34:05
